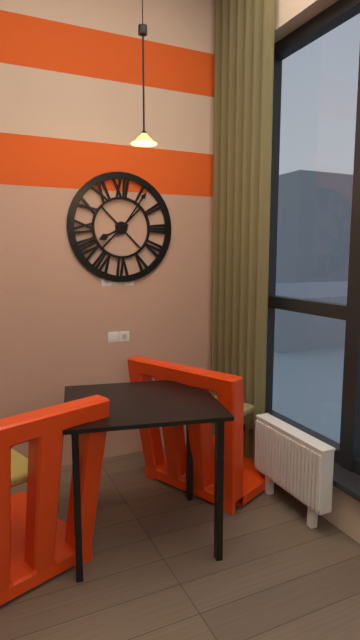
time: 8:06
